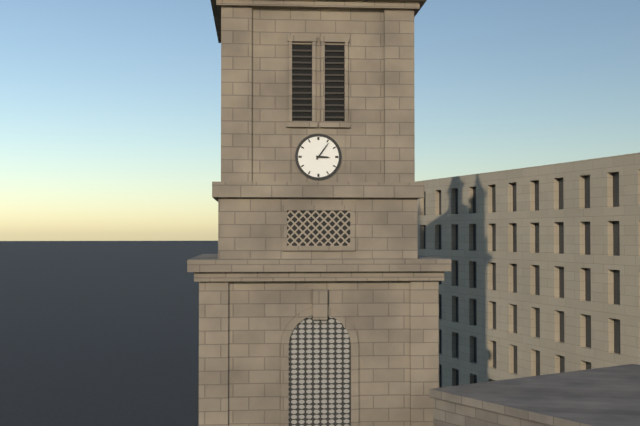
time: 3:06
